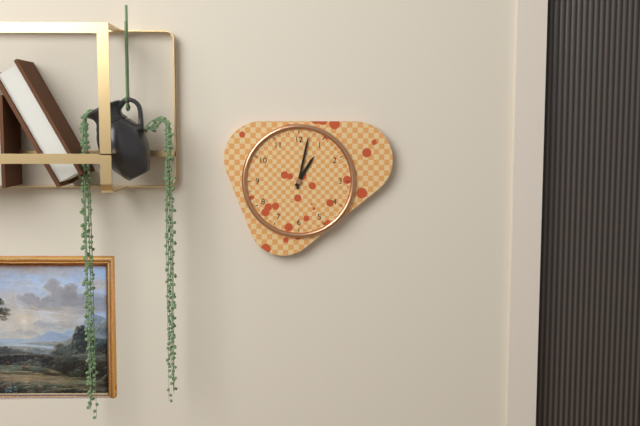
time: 1:02
